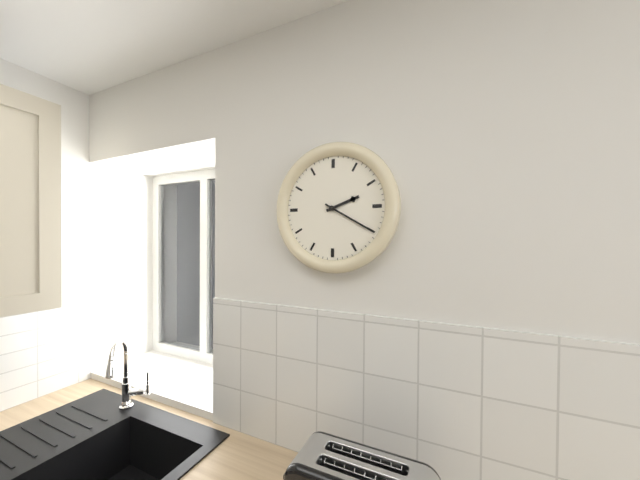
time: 2:20
